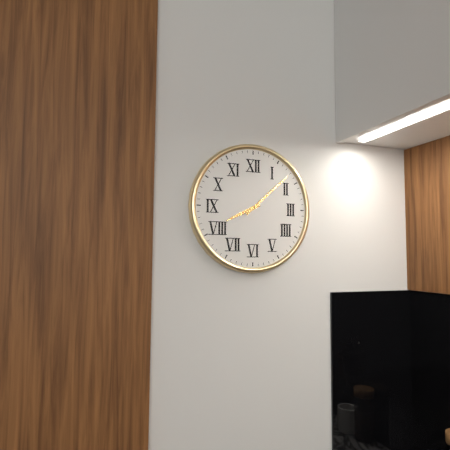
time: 8:08
